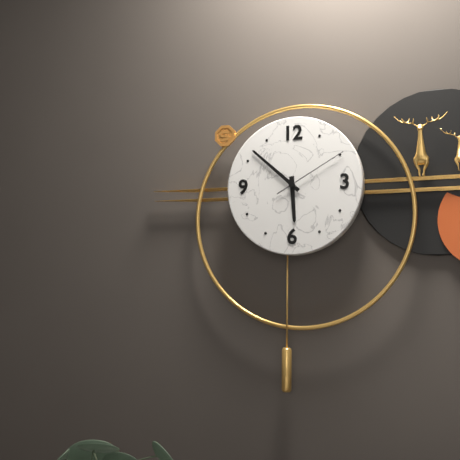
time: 5:52:10
